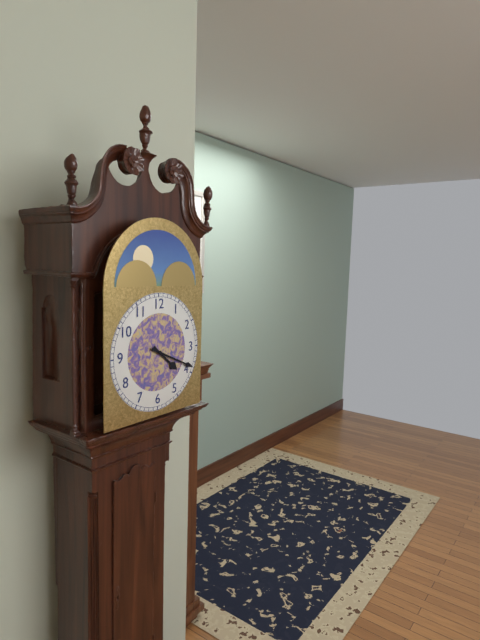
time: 4:19
